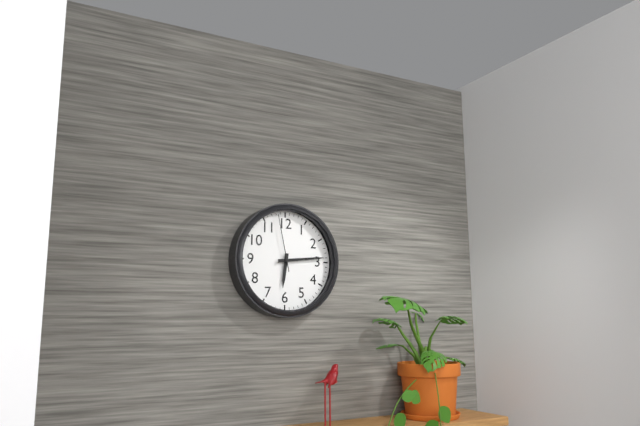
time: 6:14:58
